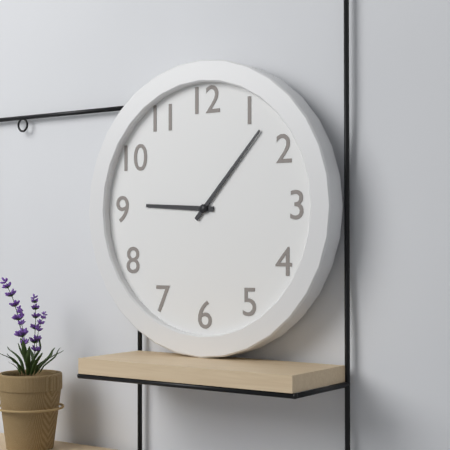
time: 9:07
